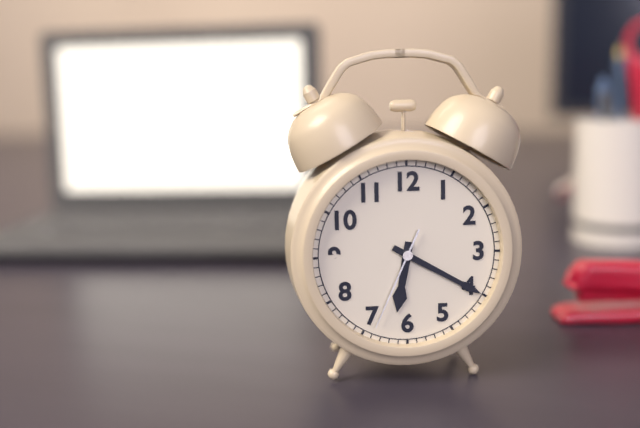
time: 6:20:34
